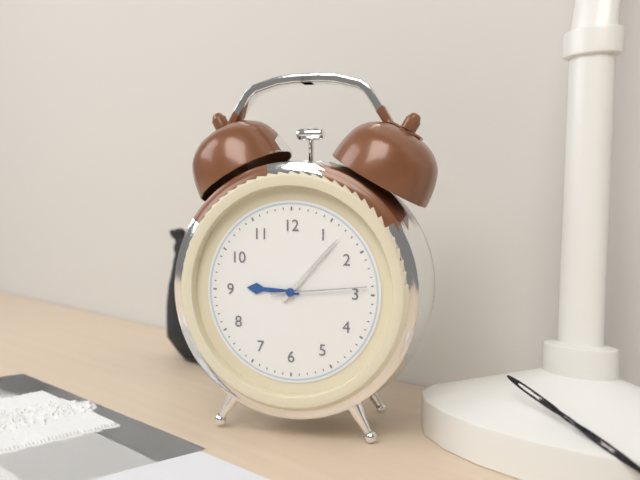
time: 9:07:14
